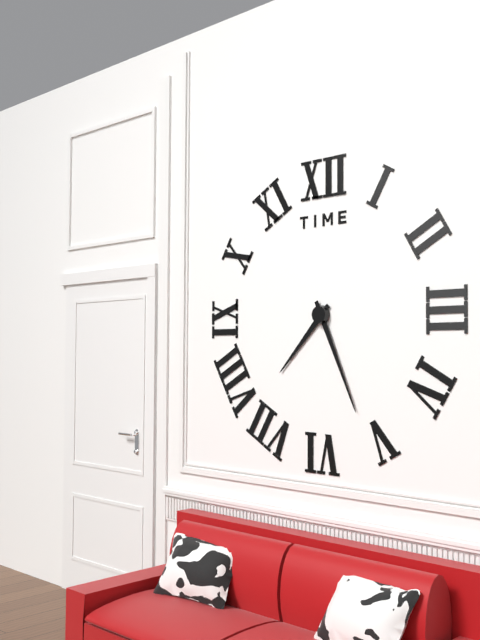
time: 7:26
